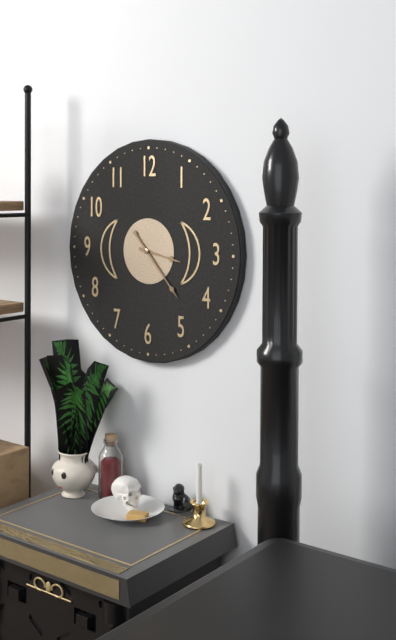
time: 3:23
